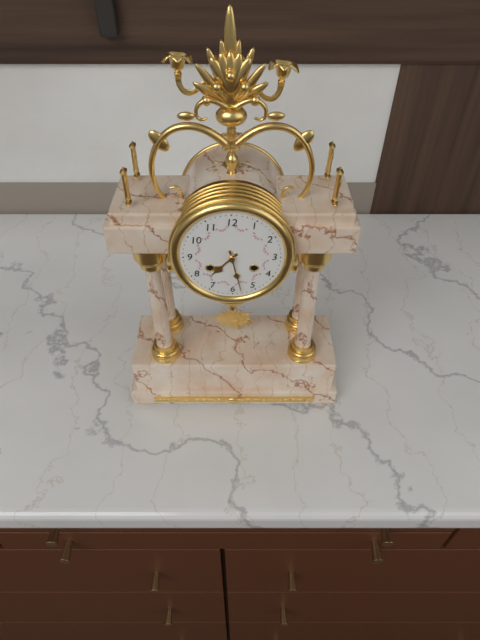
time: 7:28
